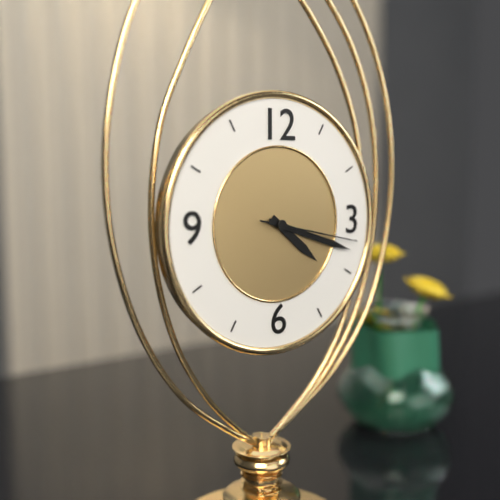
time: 4:18:17
